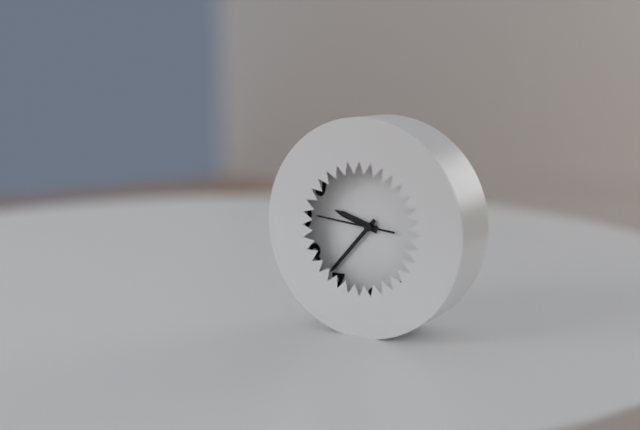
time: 9:37:46
